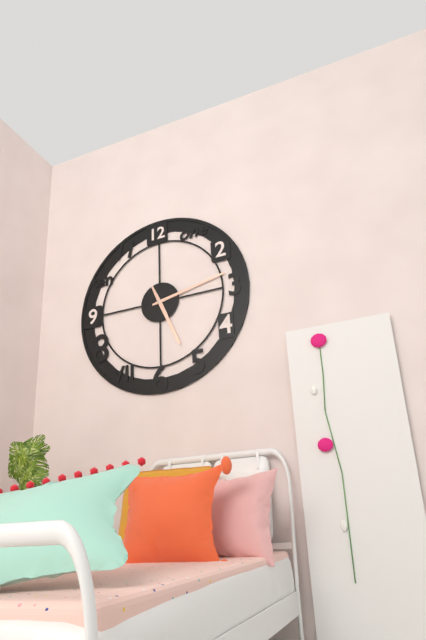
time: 5:13
